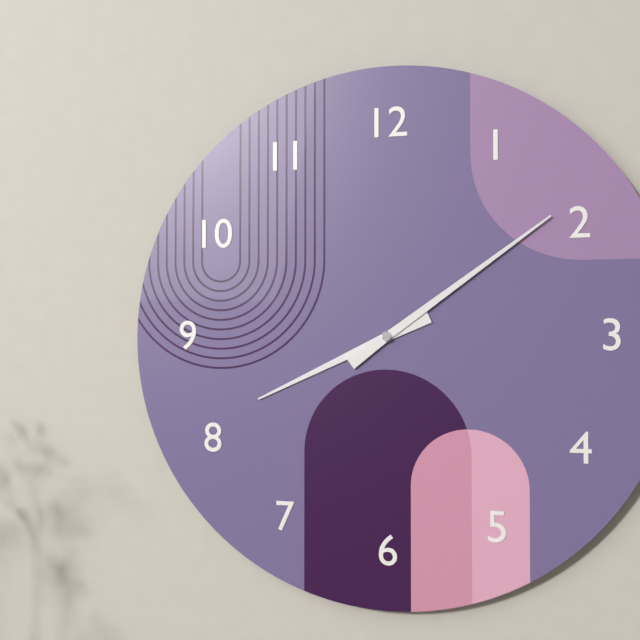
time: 8:09
